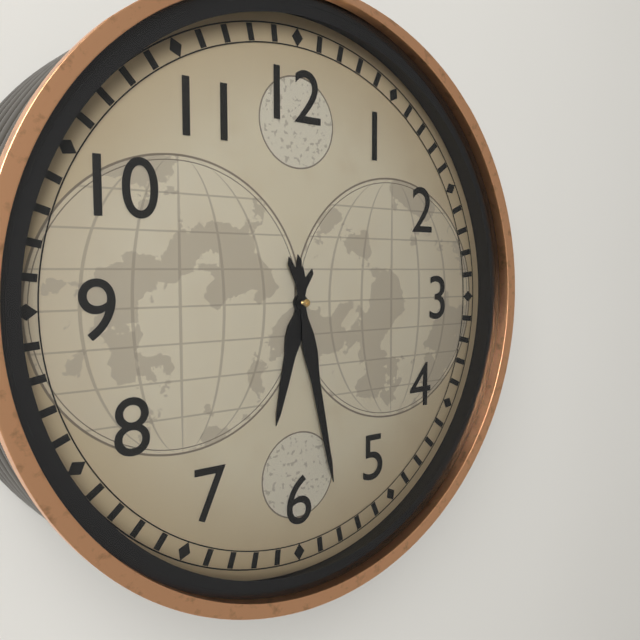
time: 6:28
